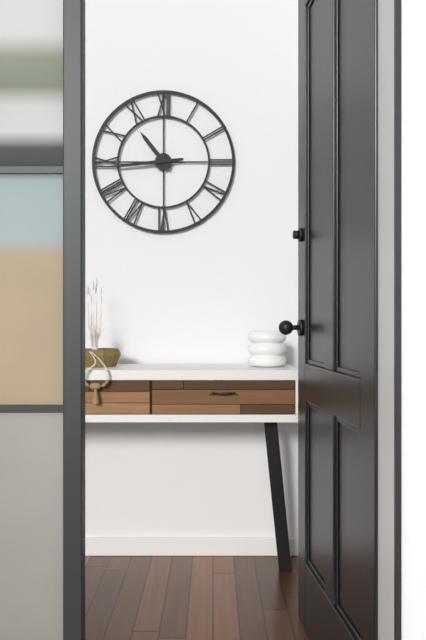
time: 10:44
